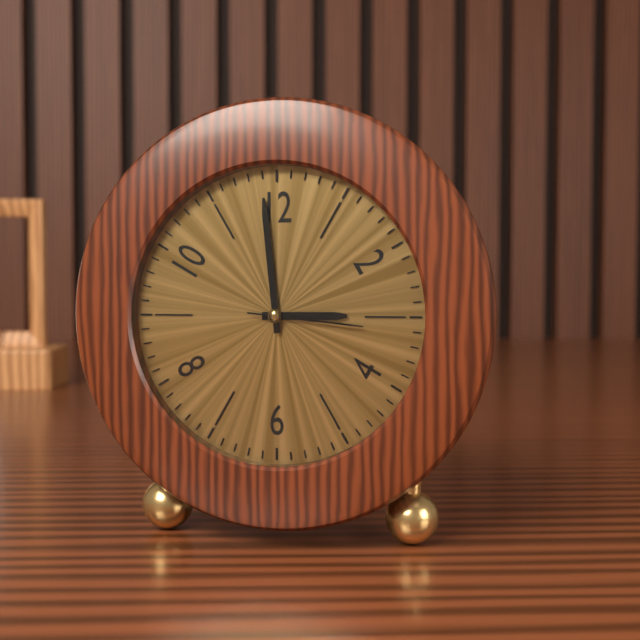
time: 2:59:16
